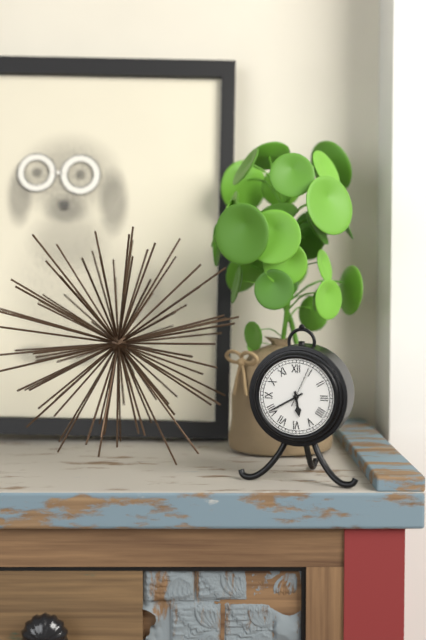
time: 5:40
